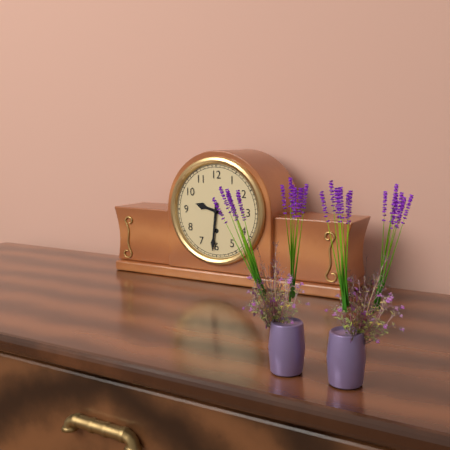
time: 9:31
